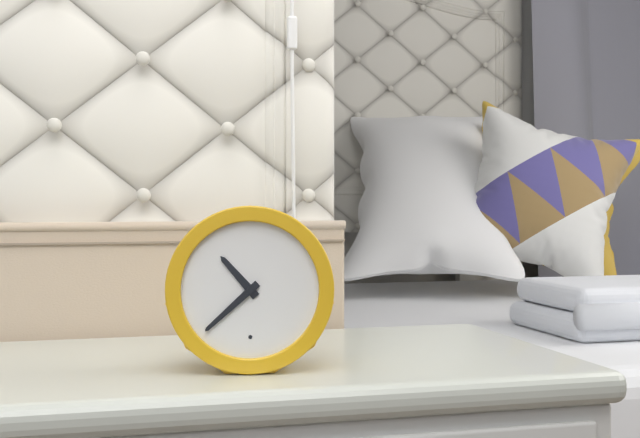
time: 10:38
